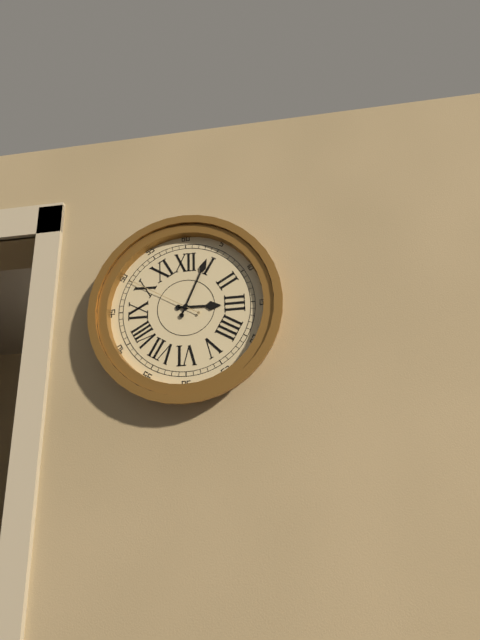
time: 3:04:50
